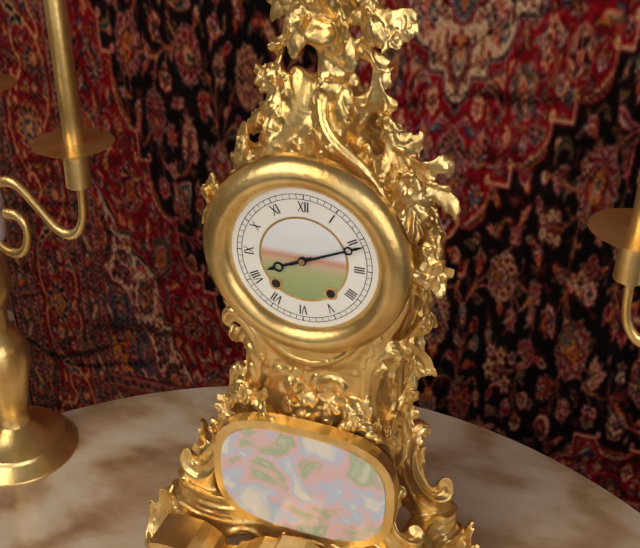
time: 8:11
